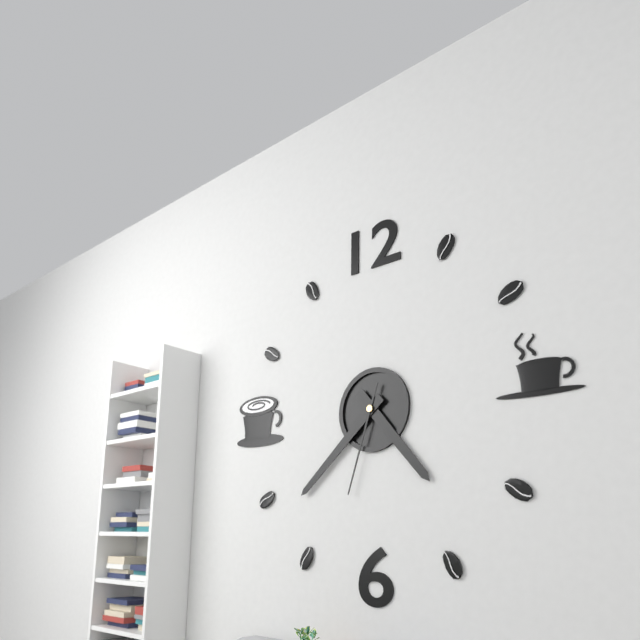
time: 4:38:33
